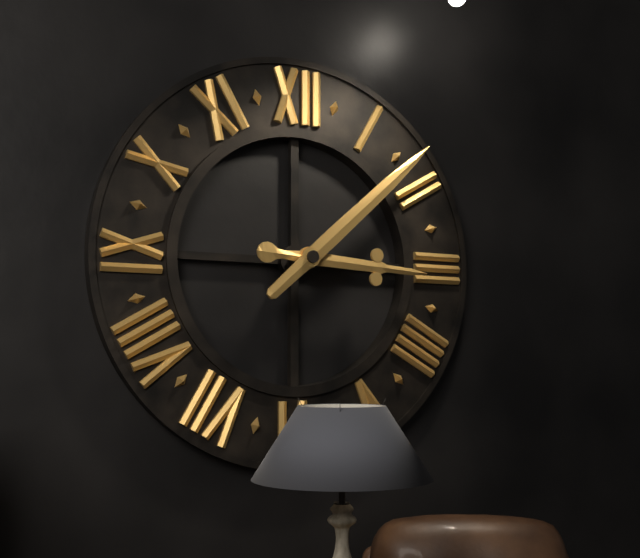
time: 3:08
